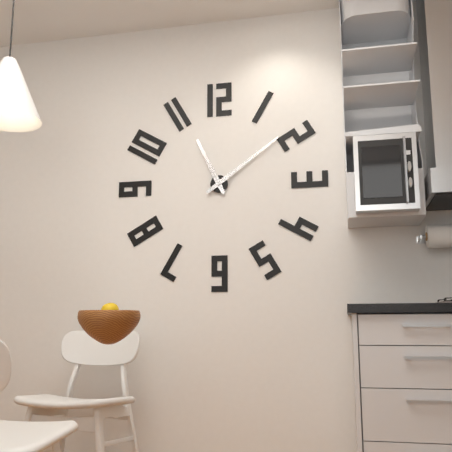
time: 11:09
